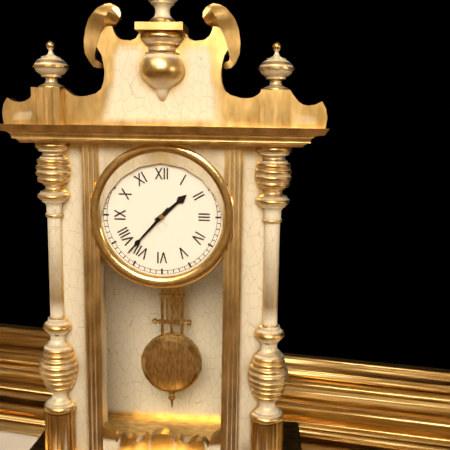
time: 1:37
